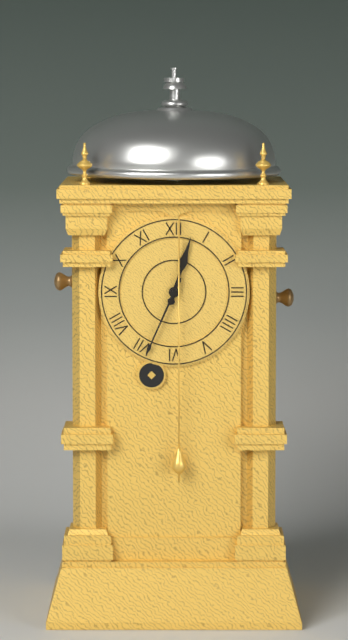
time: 12:34
